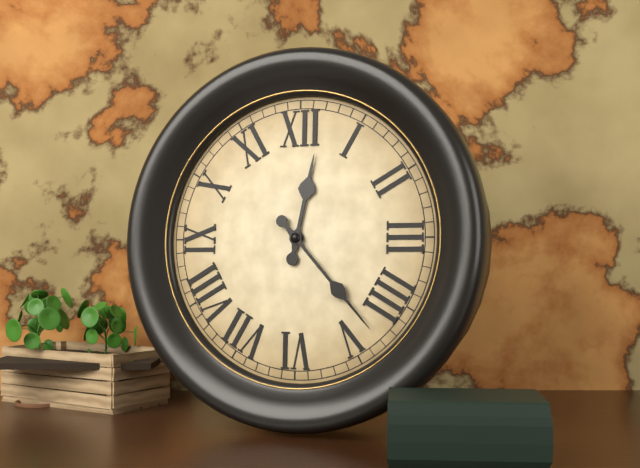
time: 12:23
